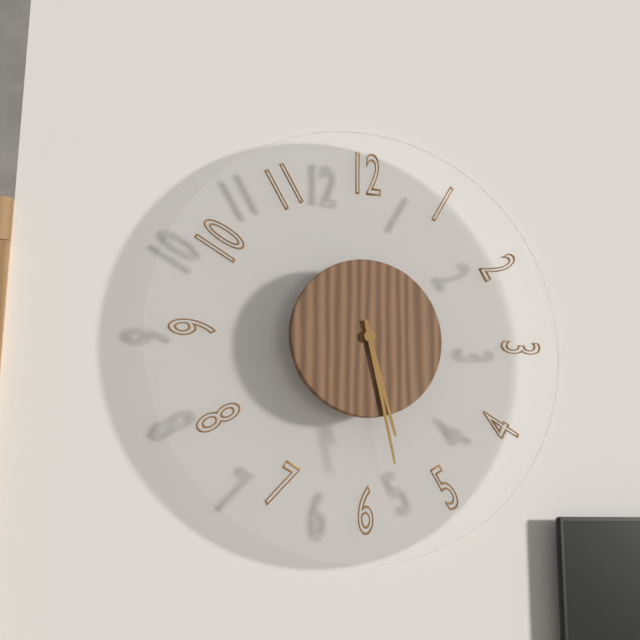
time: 5:28
